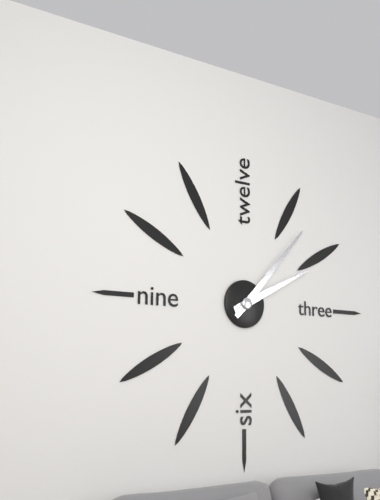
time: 2:07
